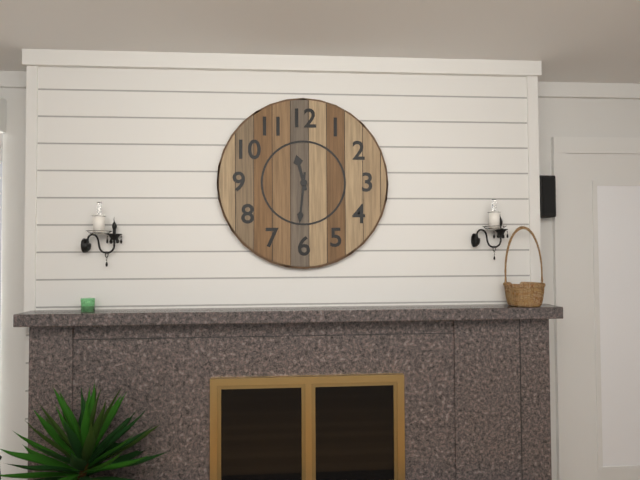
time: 11:31
